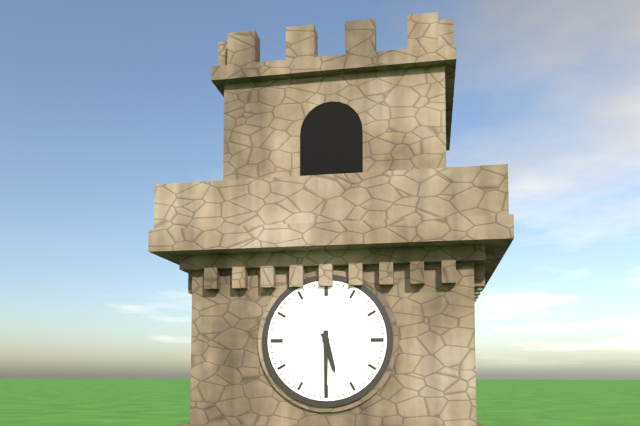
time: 5:30
